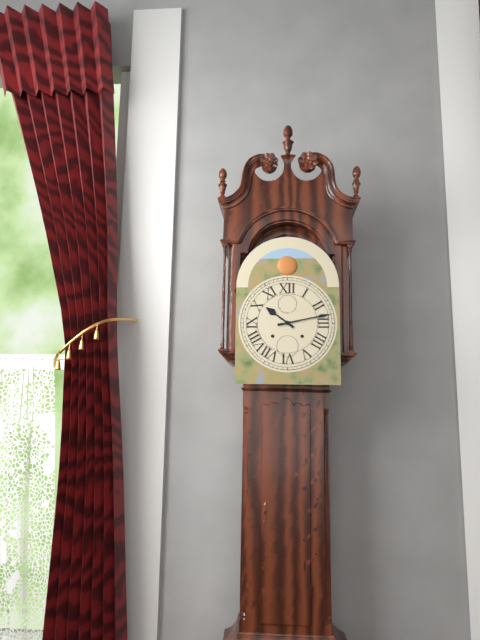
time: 10:13
